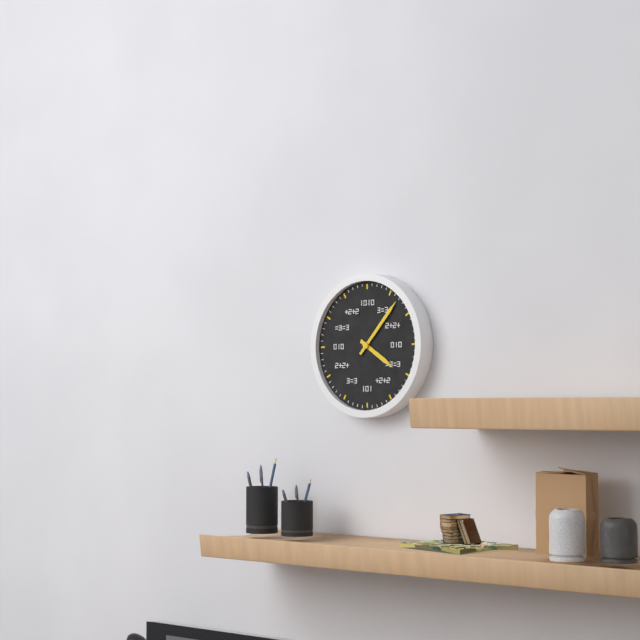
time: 4:07
